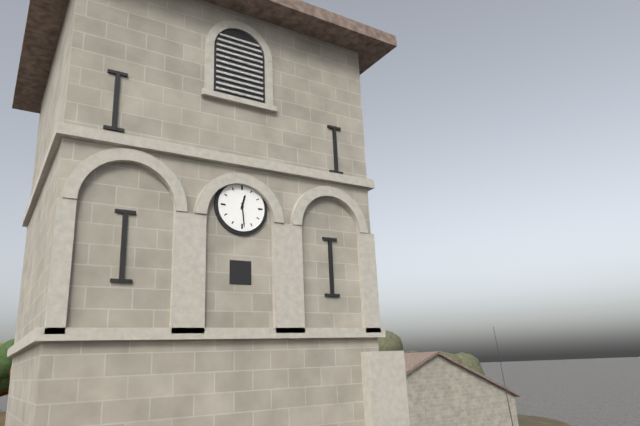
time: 12:29
